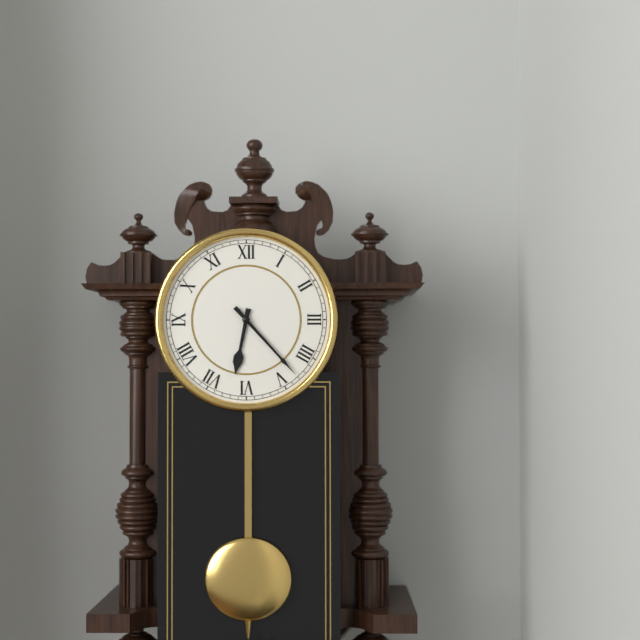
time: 6:23
